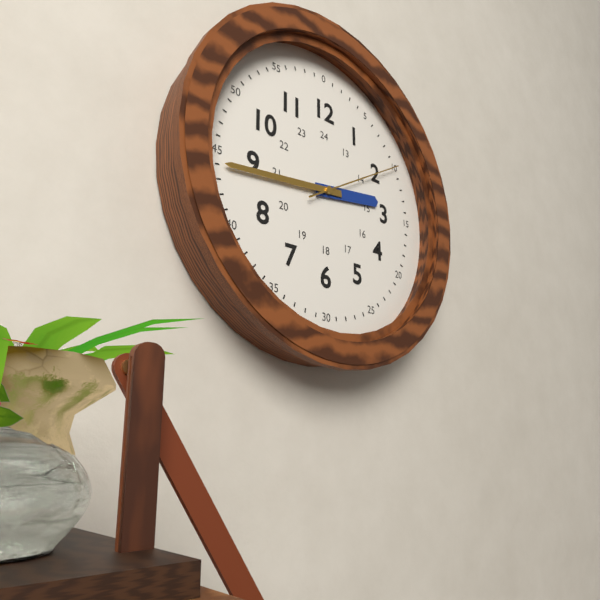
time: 2:44:10
